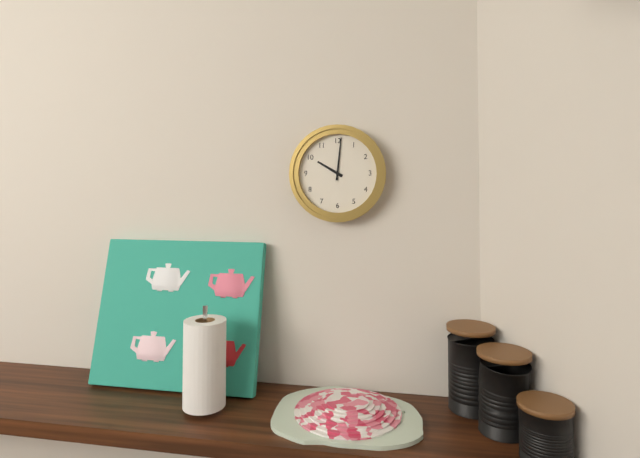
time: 10:01
